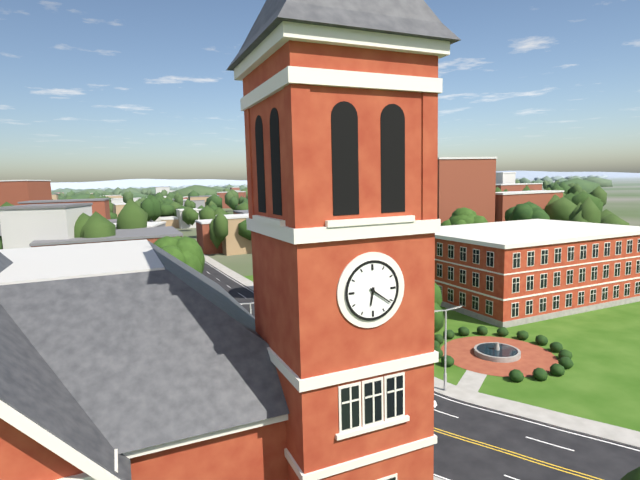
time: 6:21
